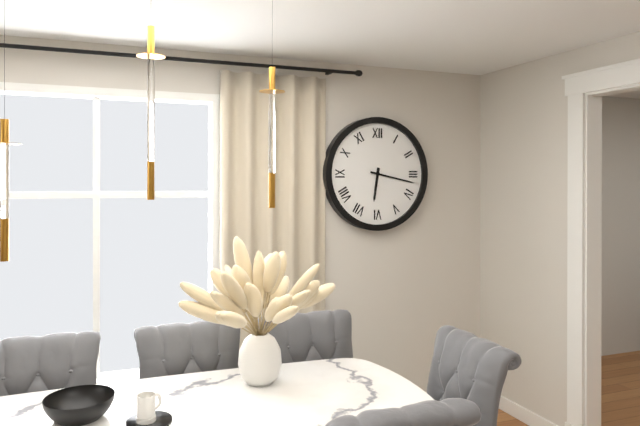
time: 6:17
